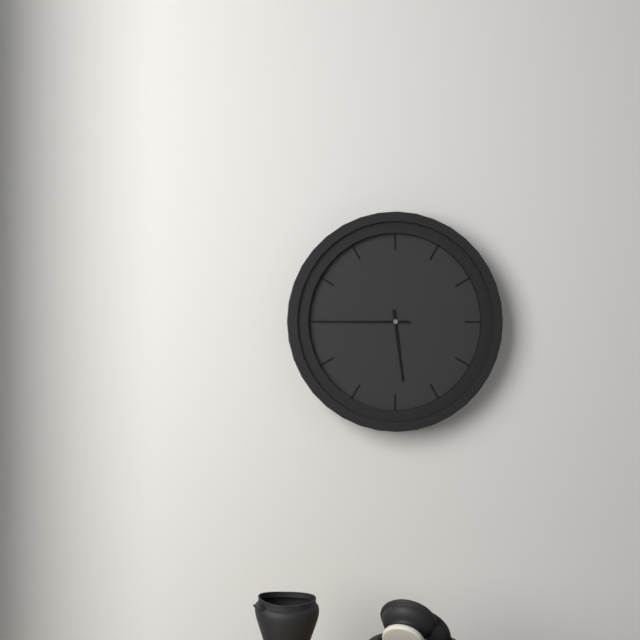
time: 5:45
